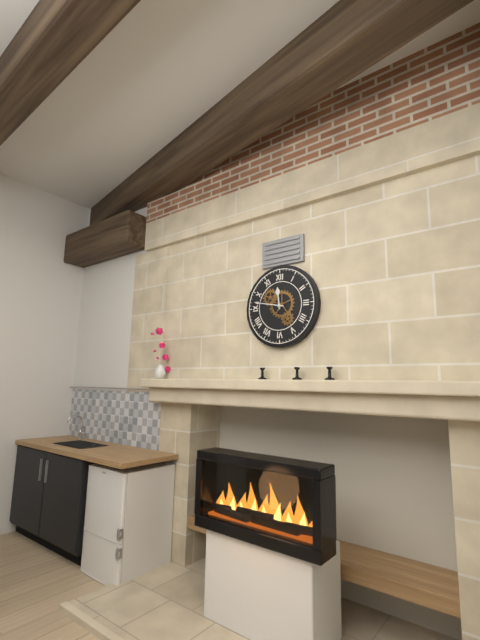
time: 11:47
